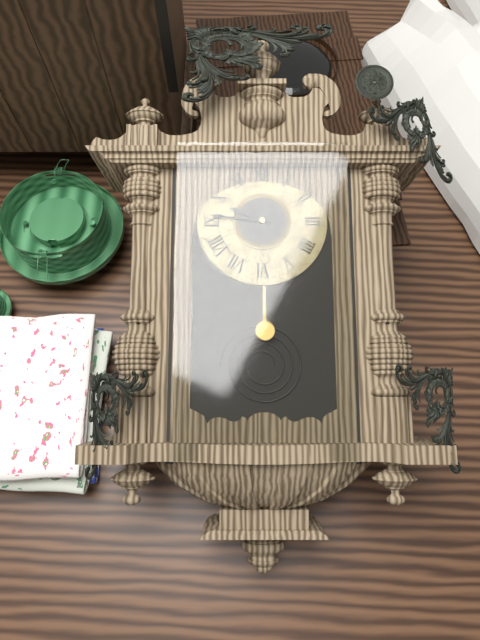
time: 9:46
